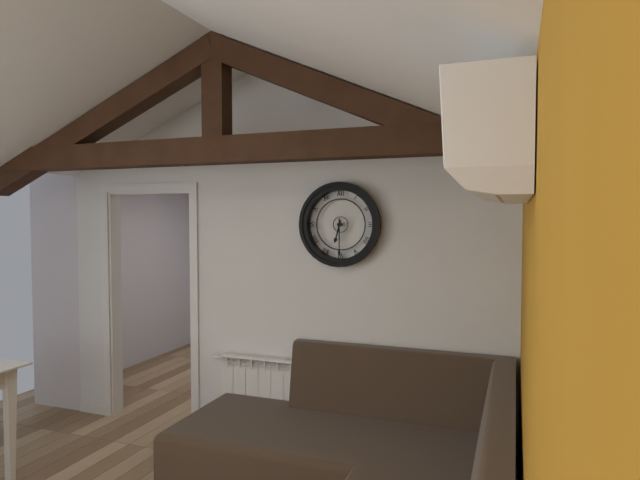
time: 6:30
